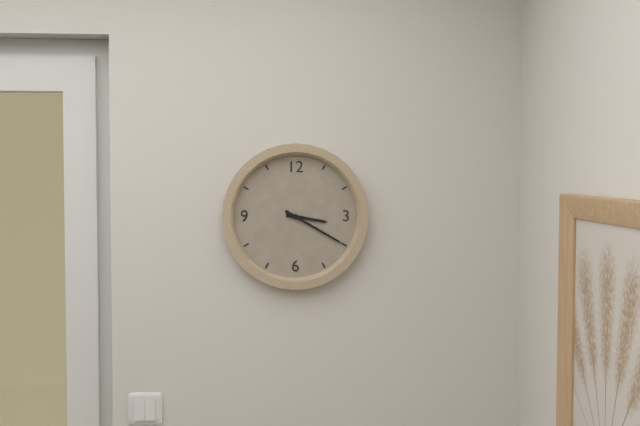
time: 3:20
